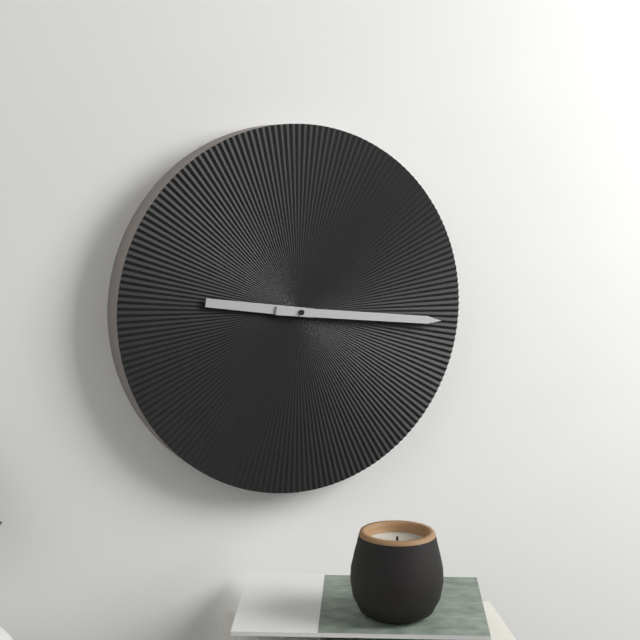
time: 9:16
